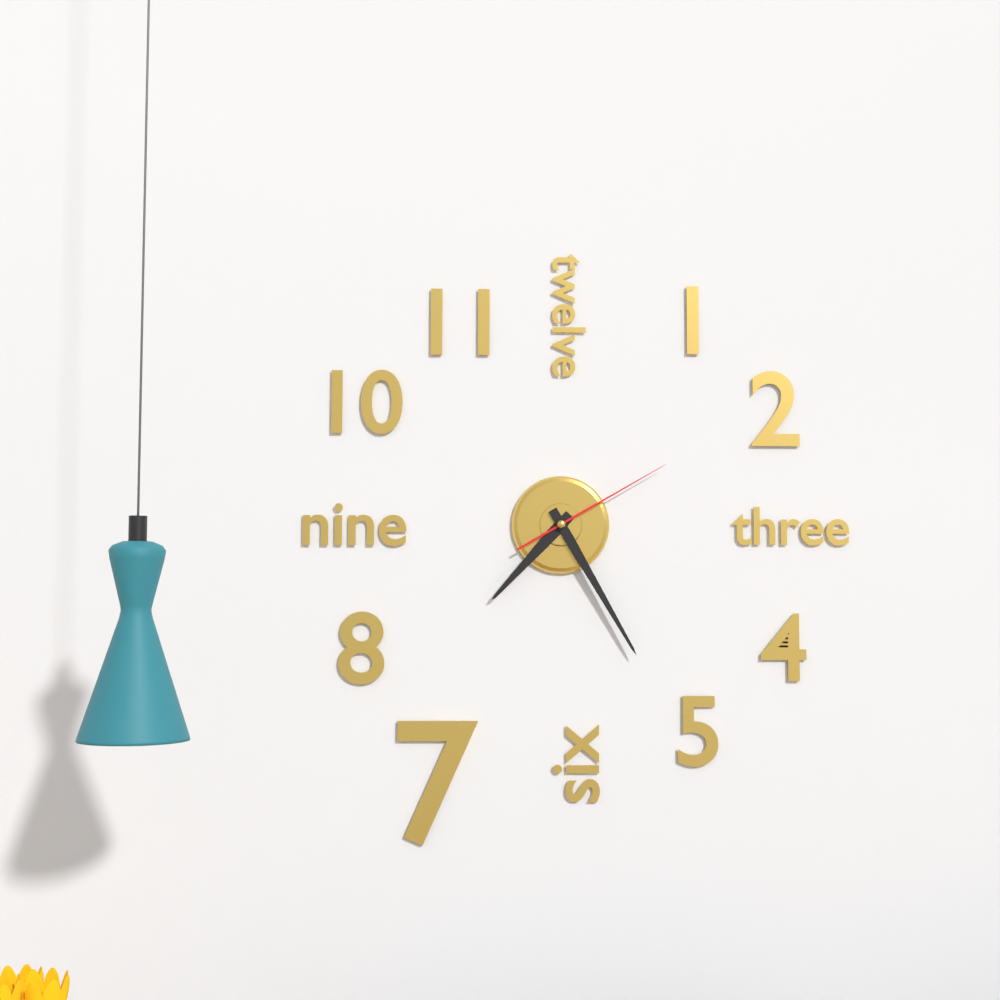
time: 7:25:10
